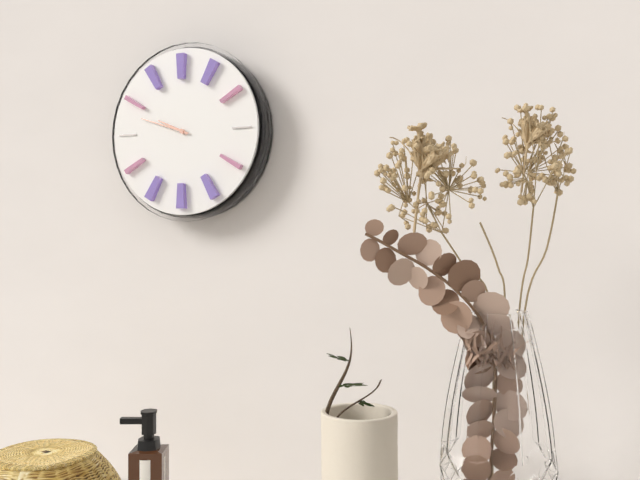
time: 9:48
